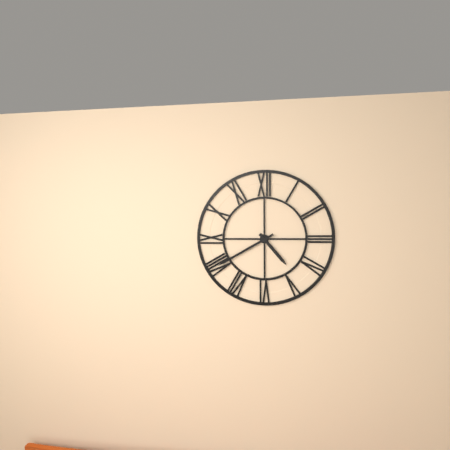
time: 4:40
